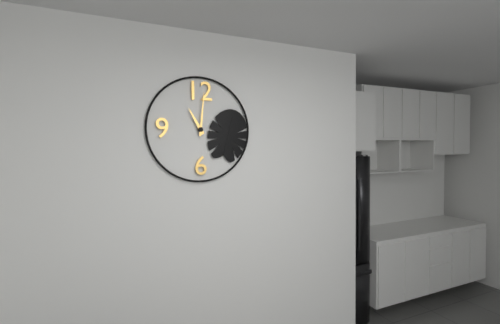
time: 11:01
